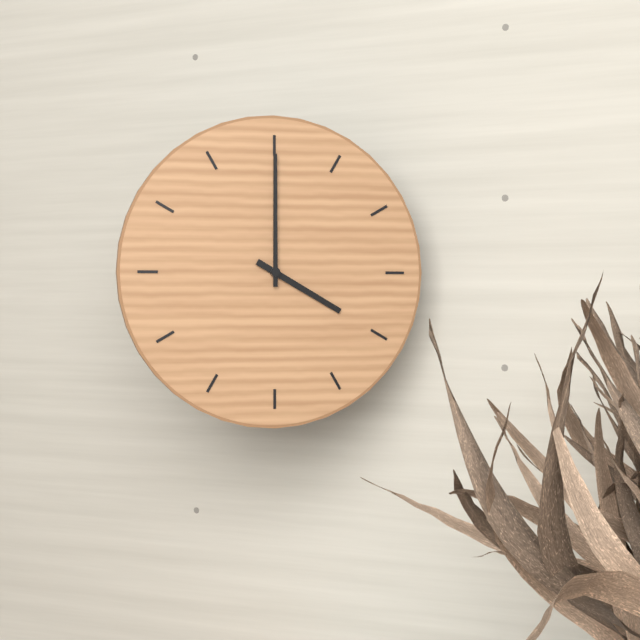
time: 4:00
